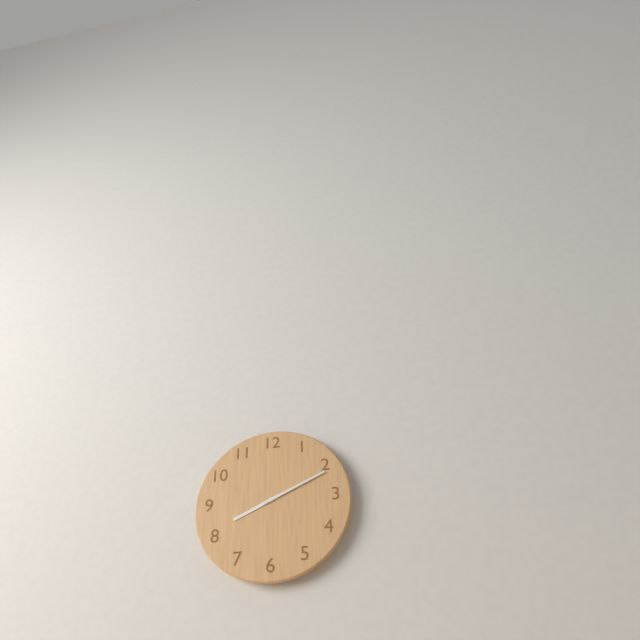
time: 8:11
